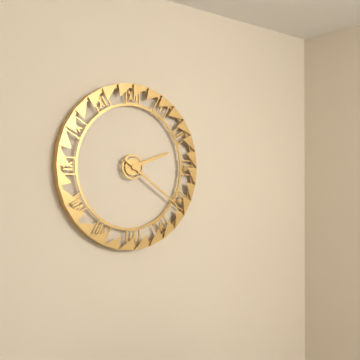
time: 2:21
